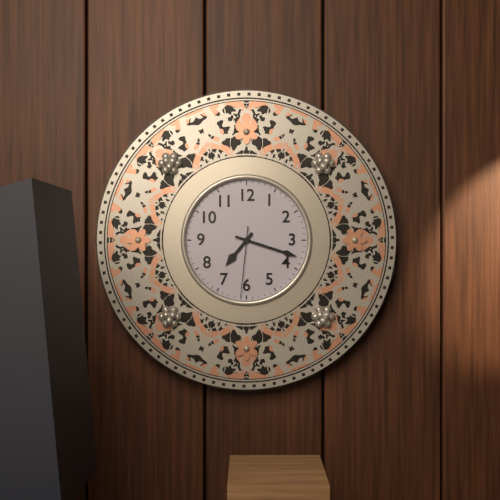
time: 7:18:31
